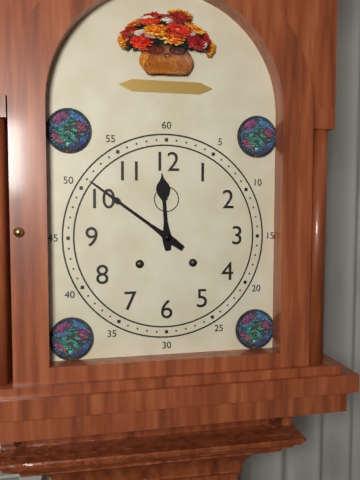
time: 11:51
